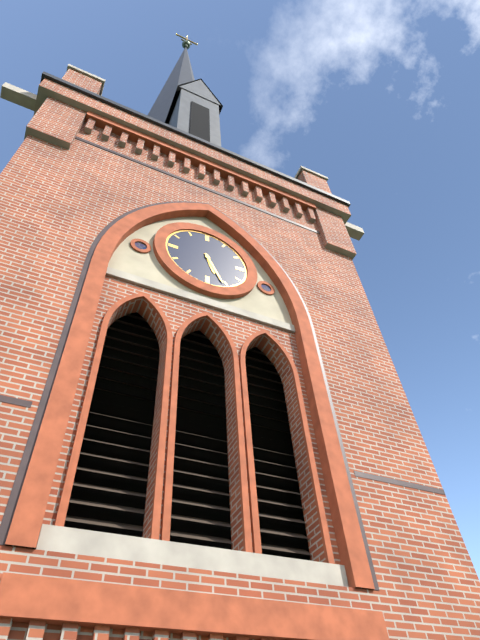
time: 5:26
